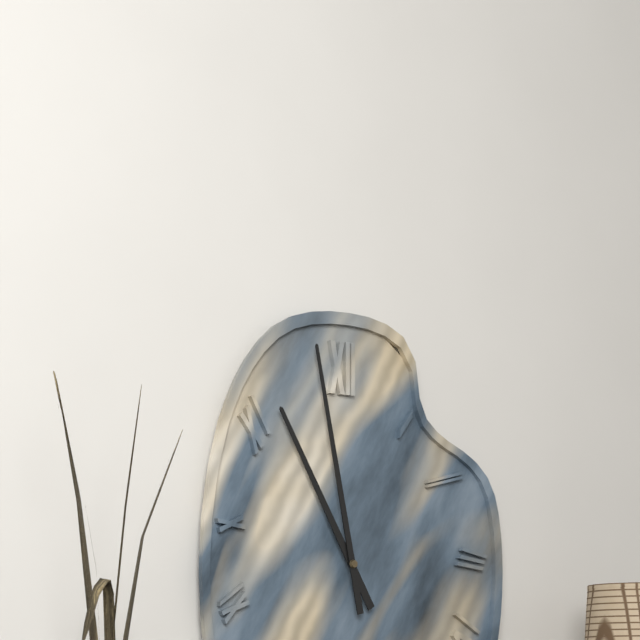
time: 10:58
